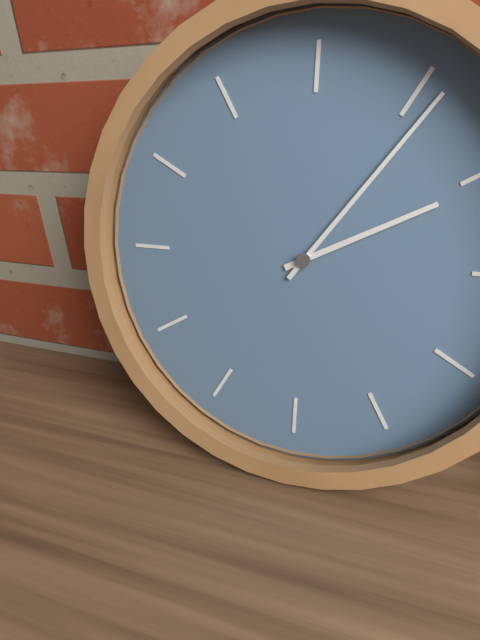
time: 2:06
